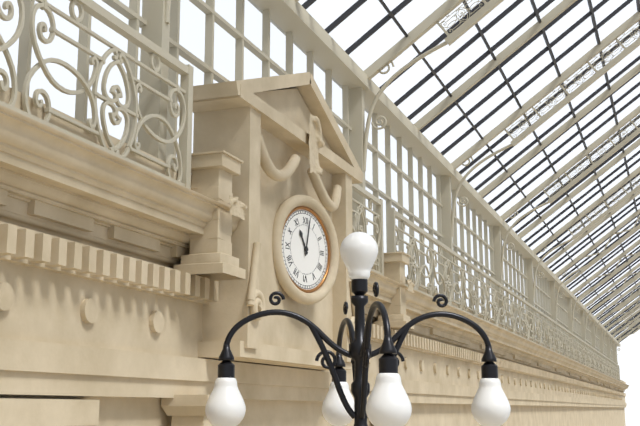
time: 11:02
